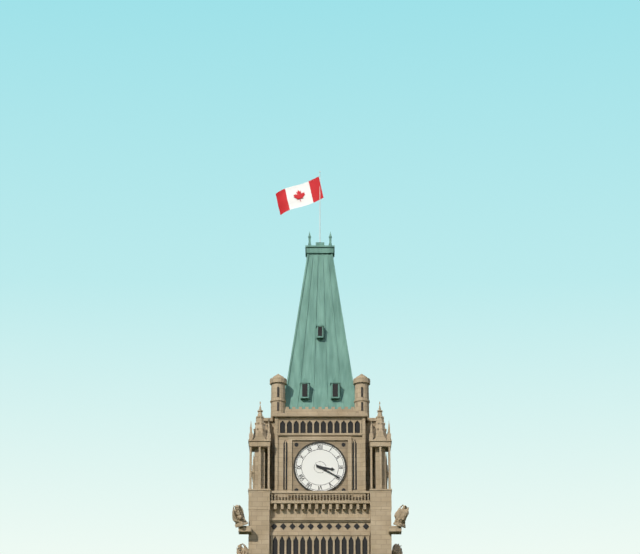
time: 3:20
